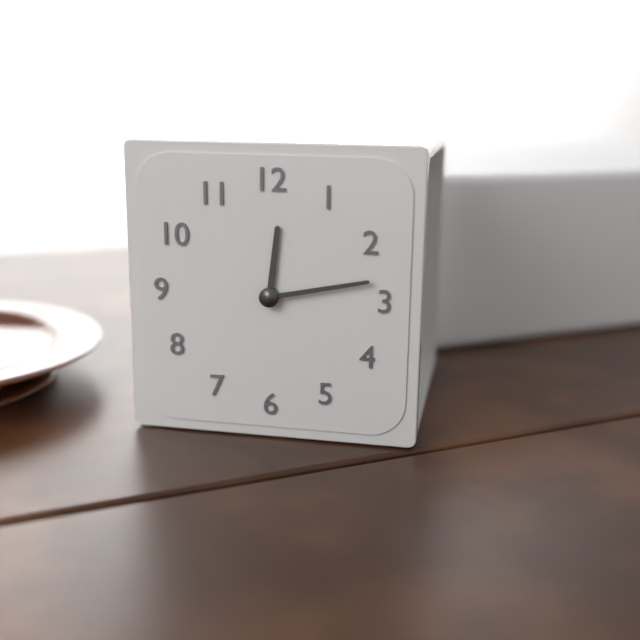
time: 12:13
